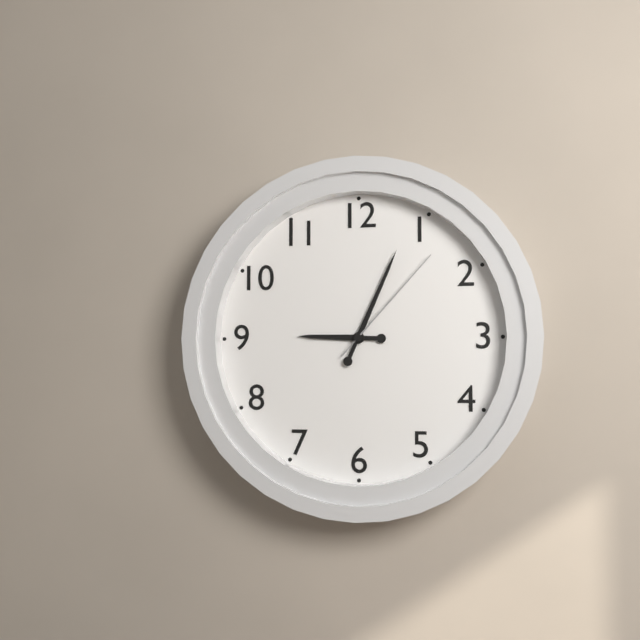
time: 9:04:07
